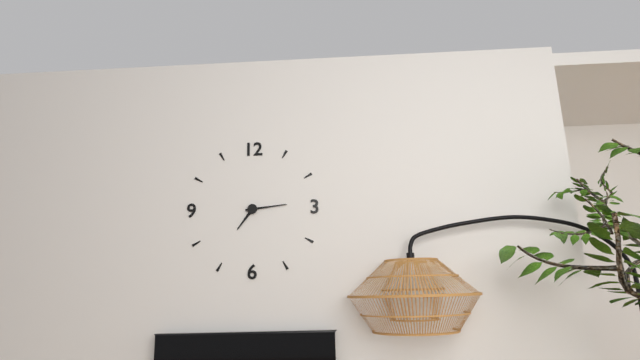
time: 7:14
